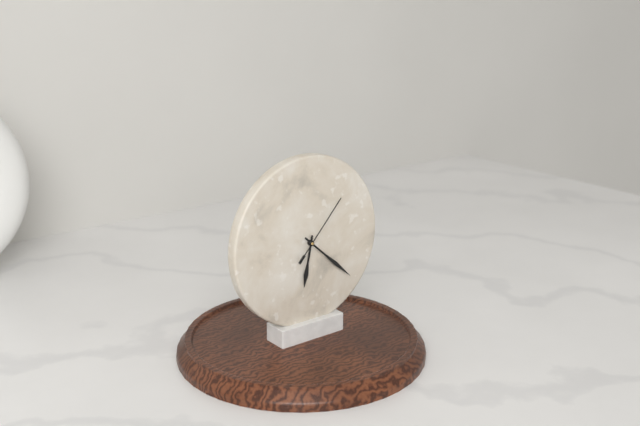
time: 6:22:07
